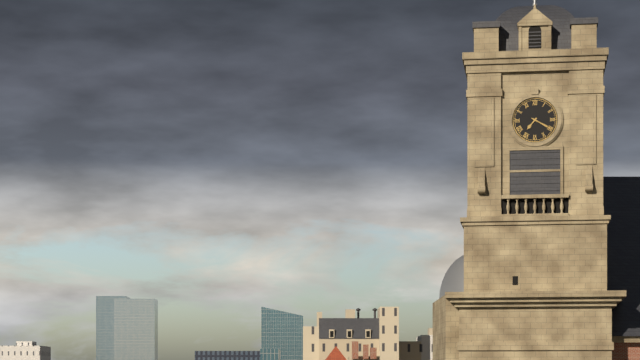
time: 7:20
